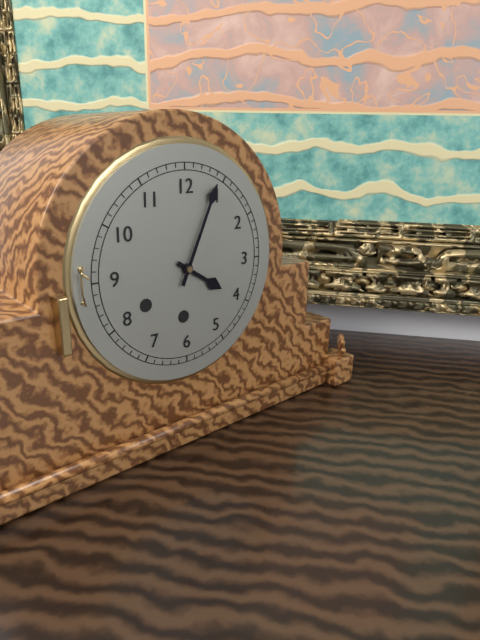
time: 4:04
